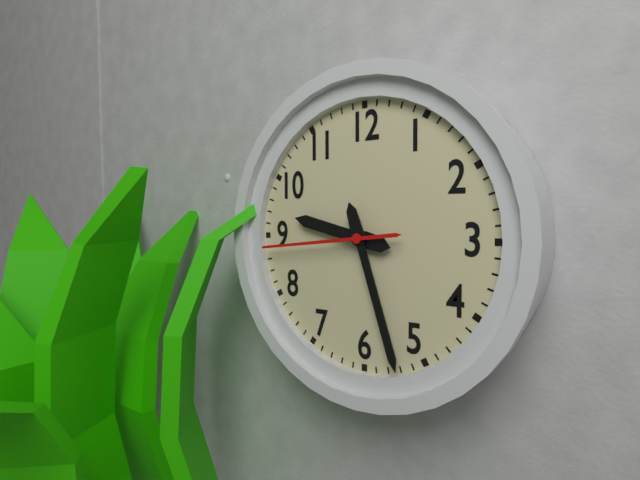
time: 9:27:44
